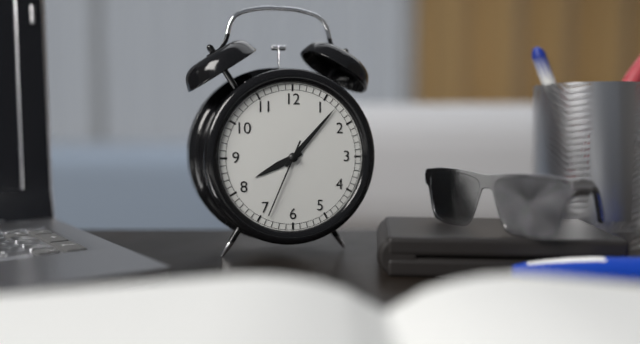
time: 8:07:34
